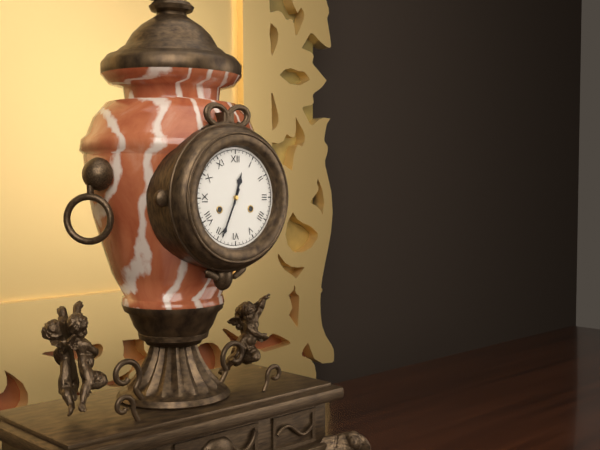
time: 12:34
